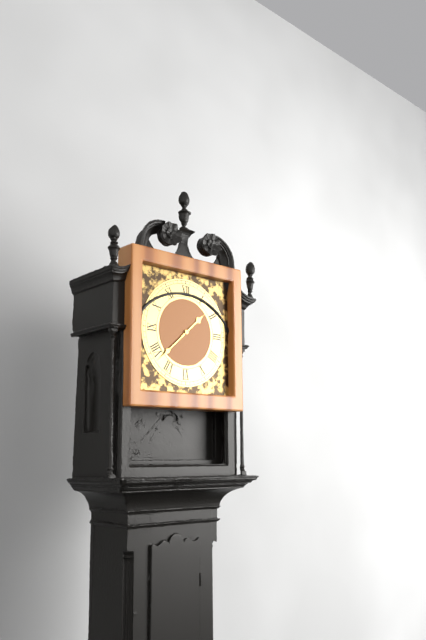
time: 1:38
